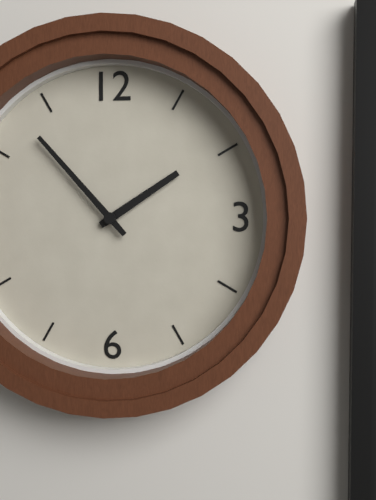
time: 1:53
